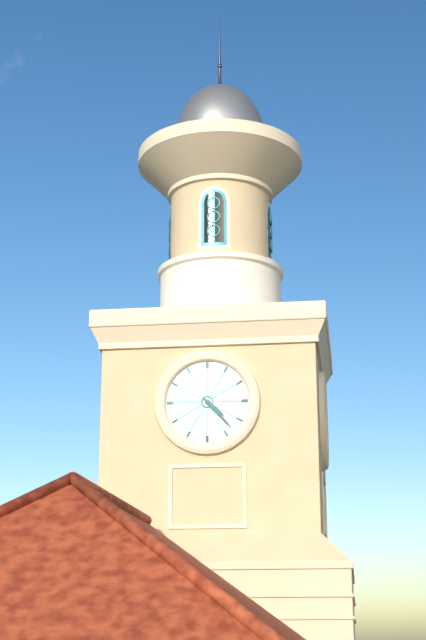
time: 4:23
